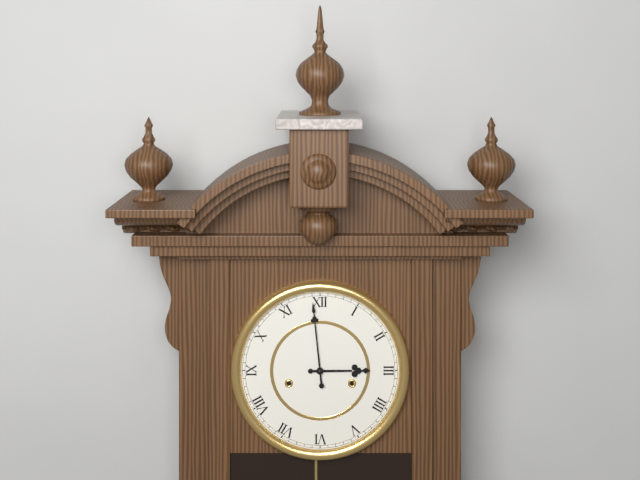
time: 2:59
